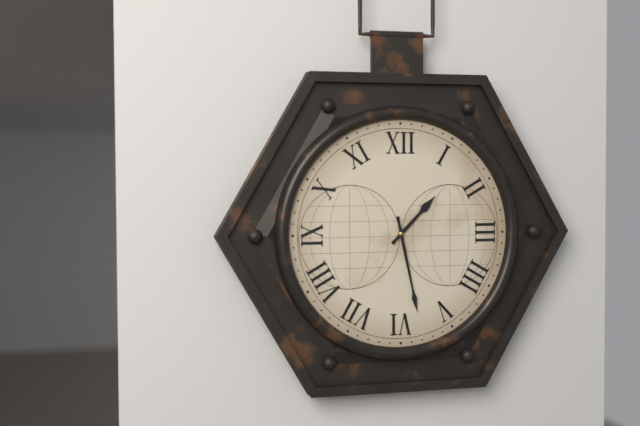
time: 1:28
